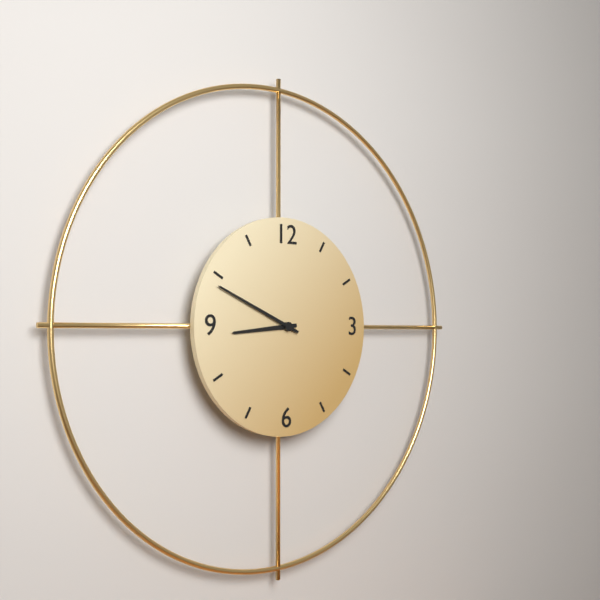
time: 8:49
